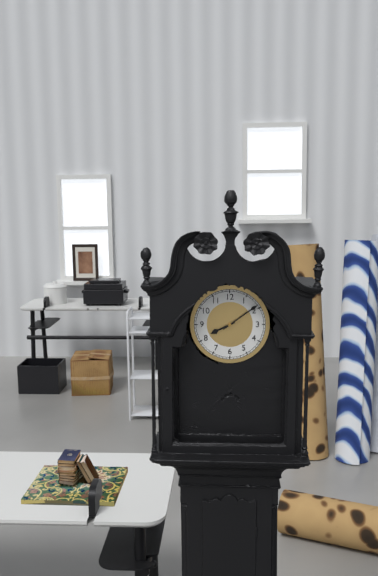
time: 8:09
